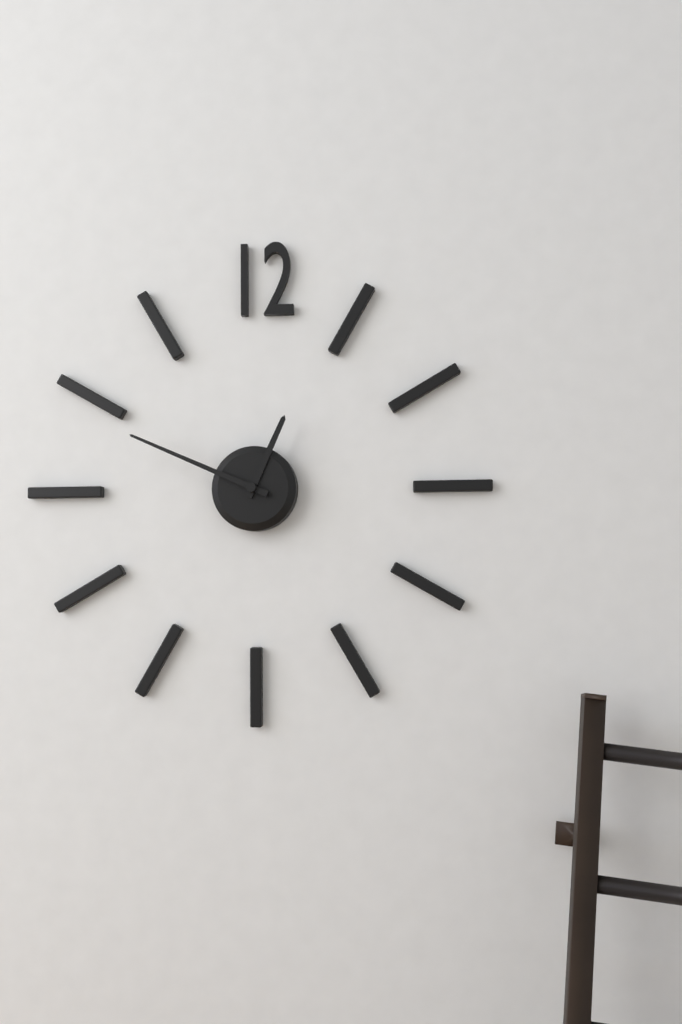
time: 12:49
